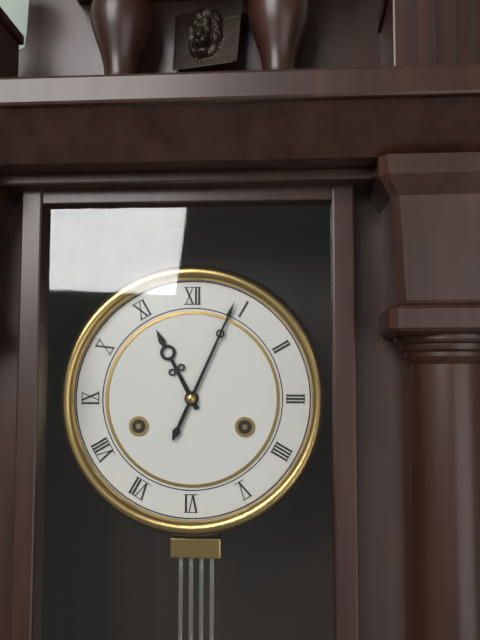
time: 11:04
